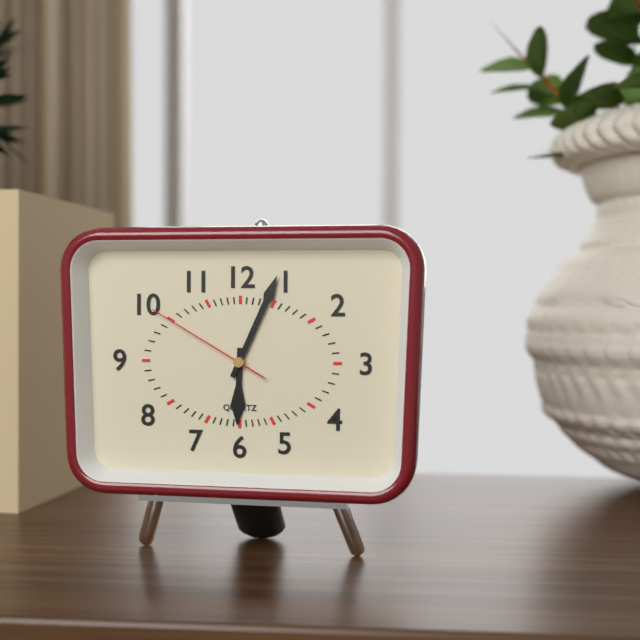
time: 6:04:50
